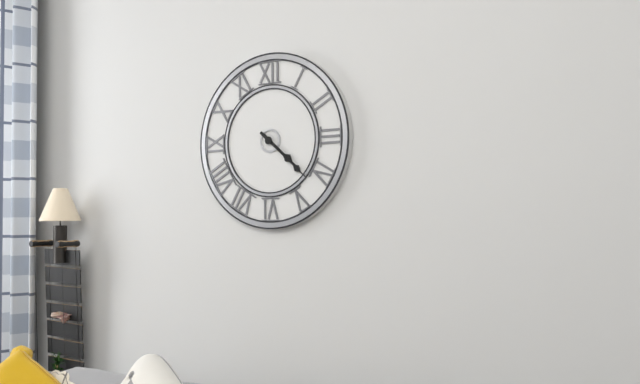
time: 4:22
